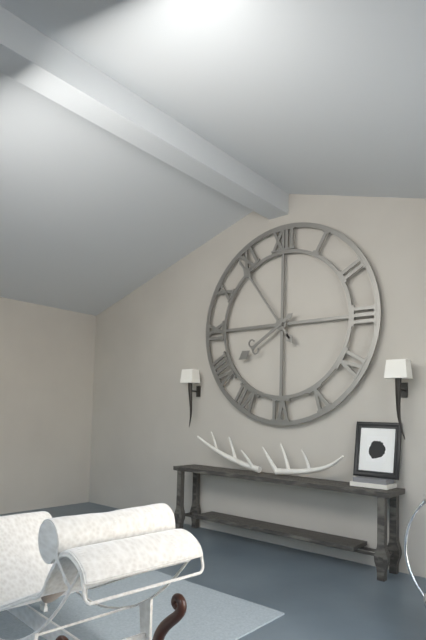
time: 7:54
